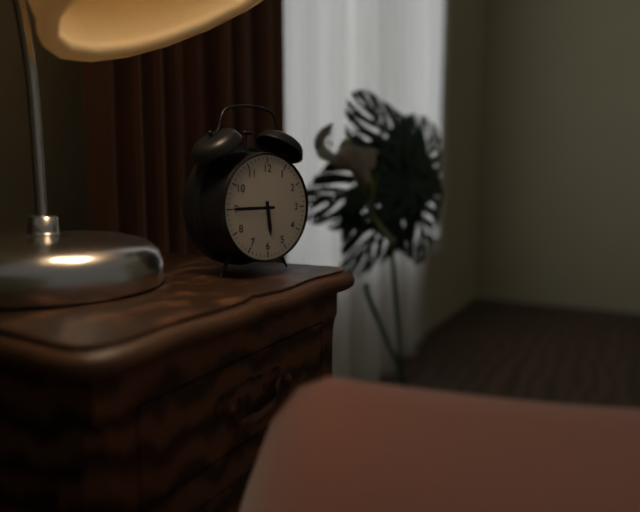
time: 5:45
